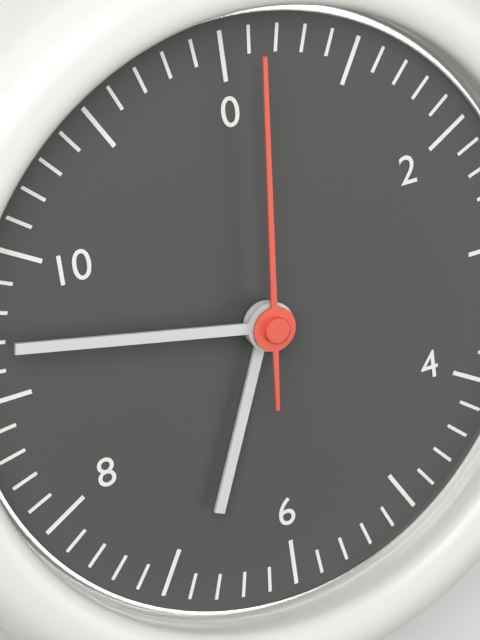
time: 6:47:01
